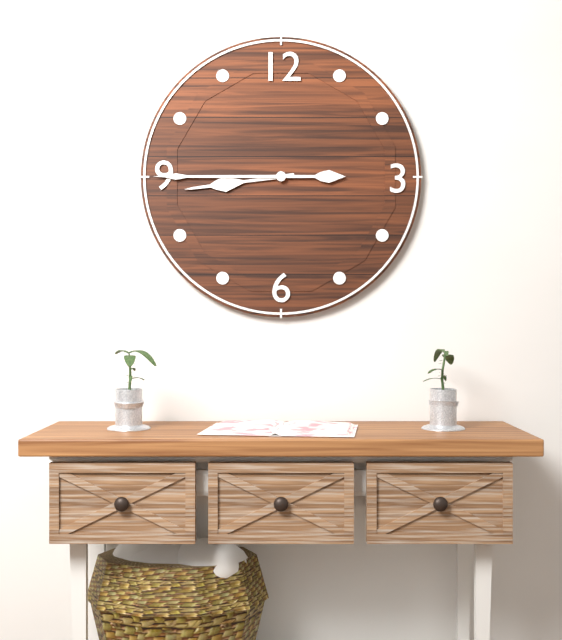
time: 8:45
